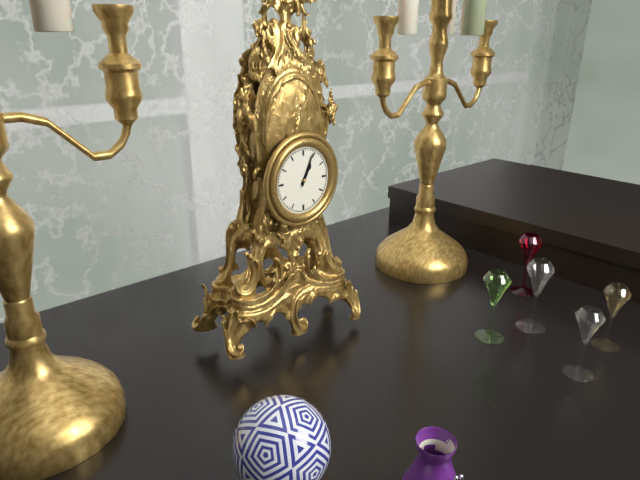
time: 1:04
